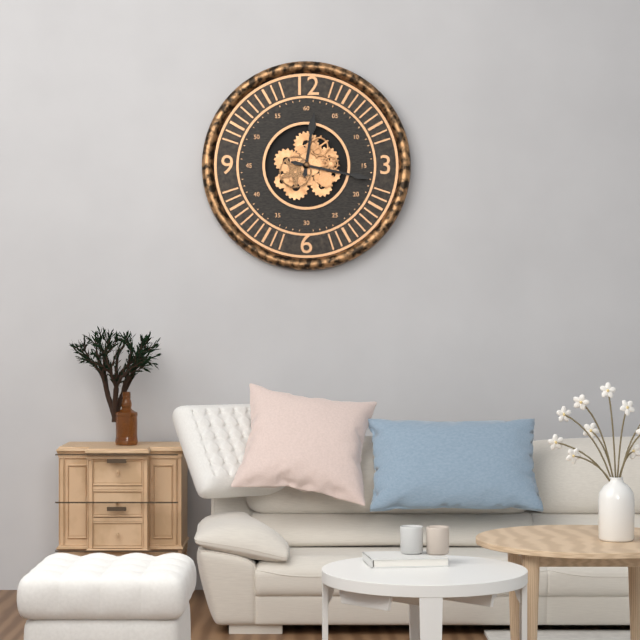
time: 12:17
